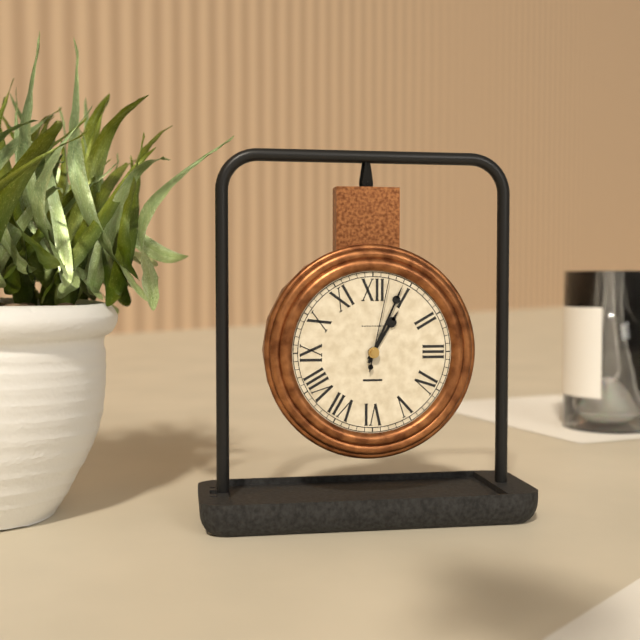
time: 1:04:02
